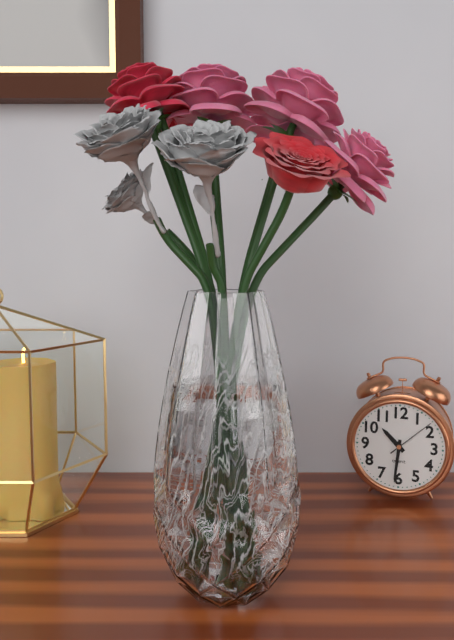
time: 10:31
